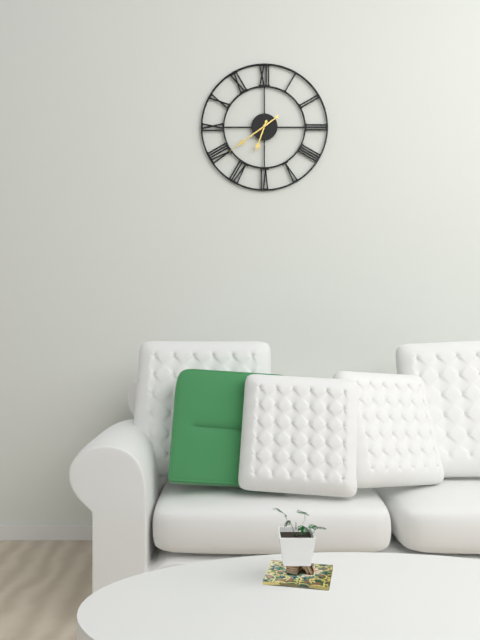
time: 6:39
